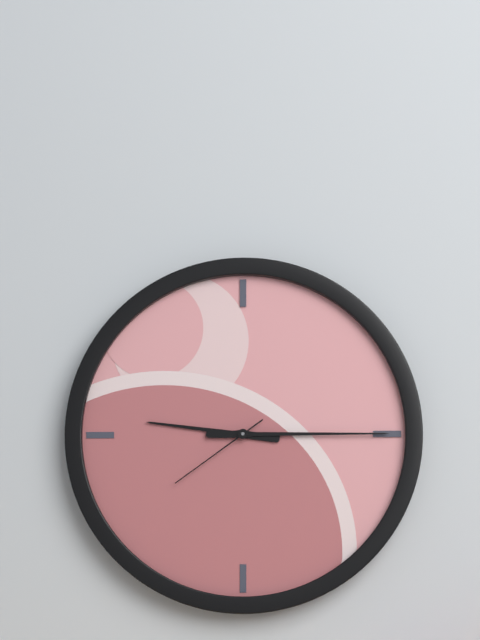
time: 9:15:39
